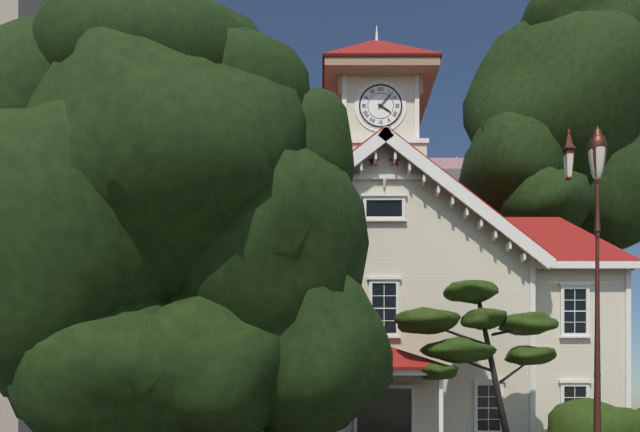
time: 4:07
